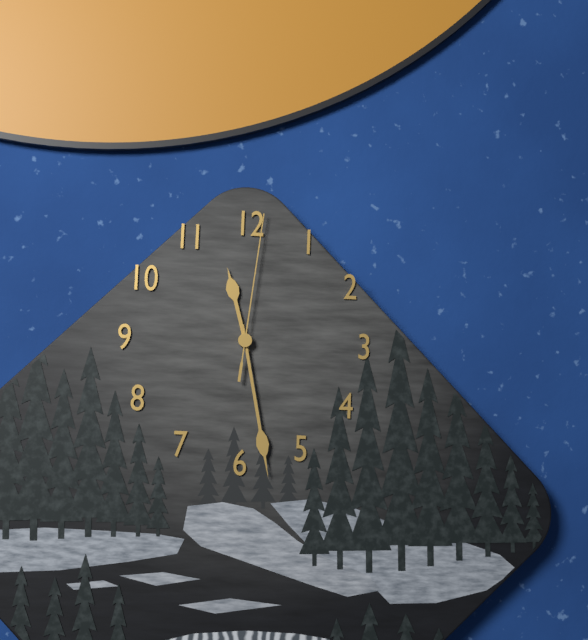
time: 11:28:01
